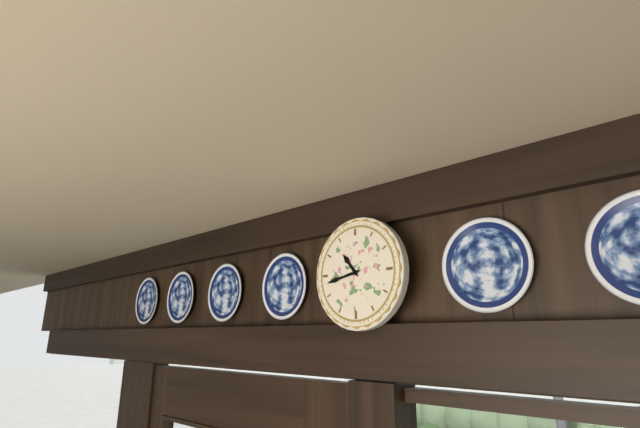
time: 10:43
